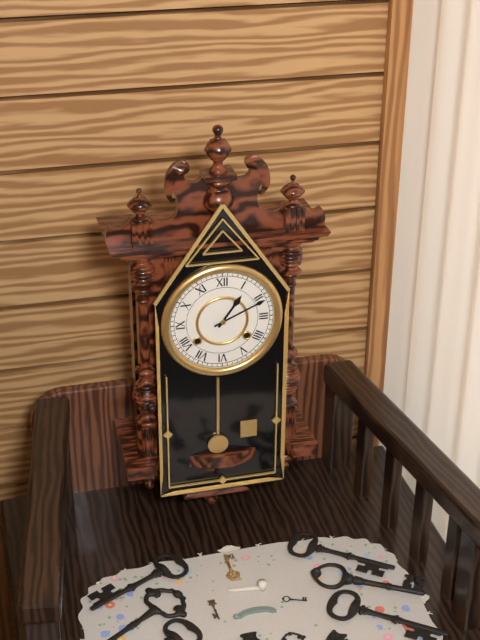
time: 1:11
